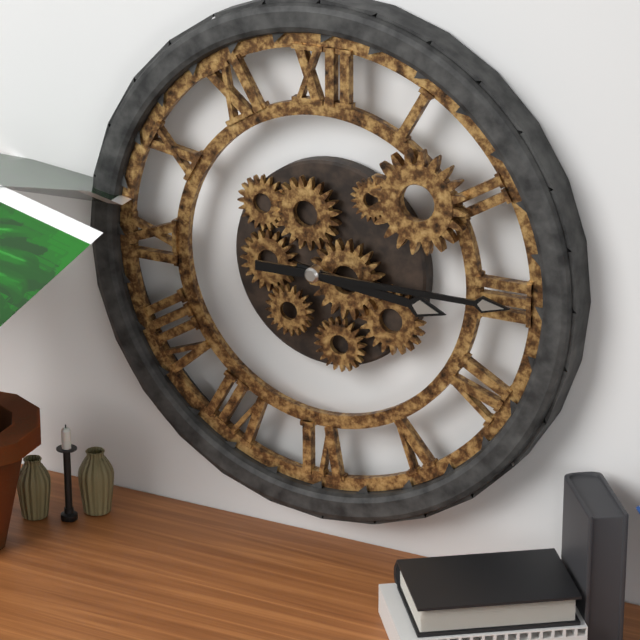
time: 3:15
